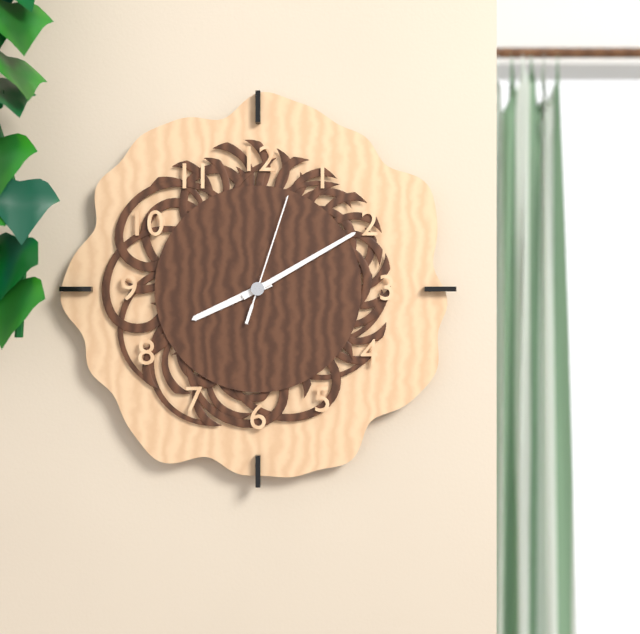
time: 8:10:03
